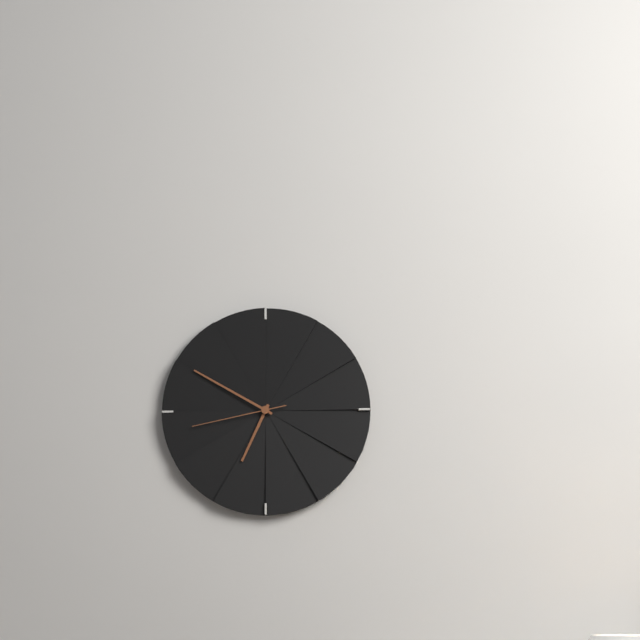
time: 6:50:43
